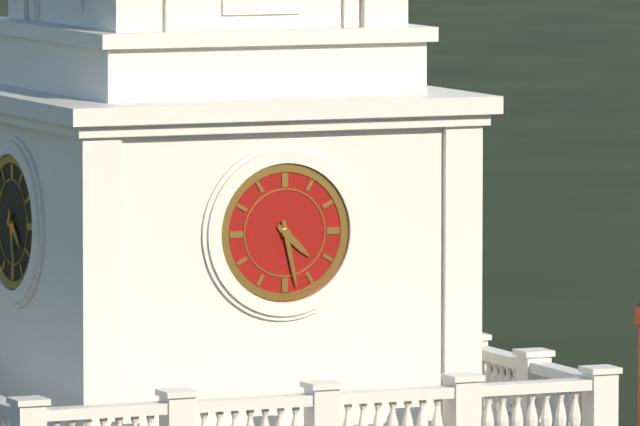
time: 4:28
